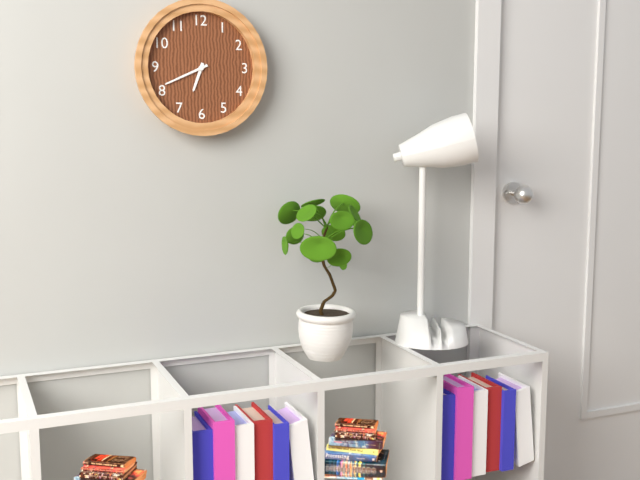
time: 6:41
